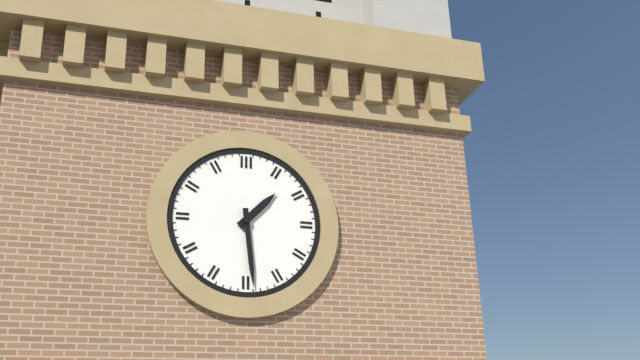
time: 1:29
